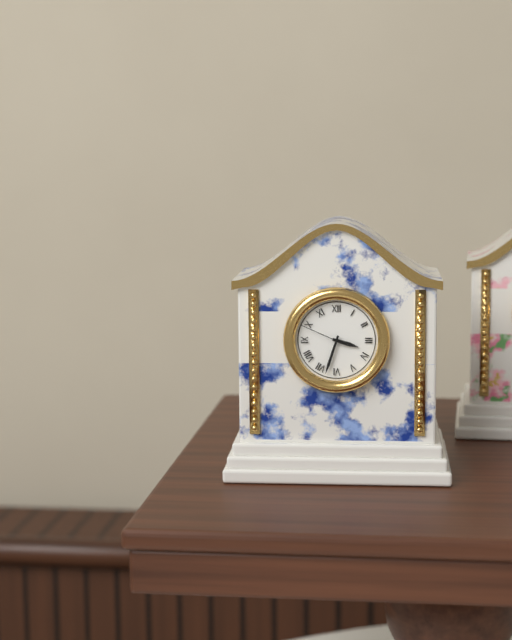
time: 3:33
